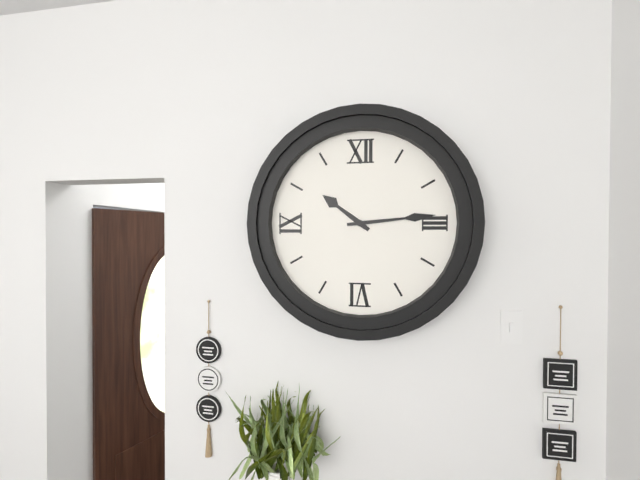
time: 10:14
